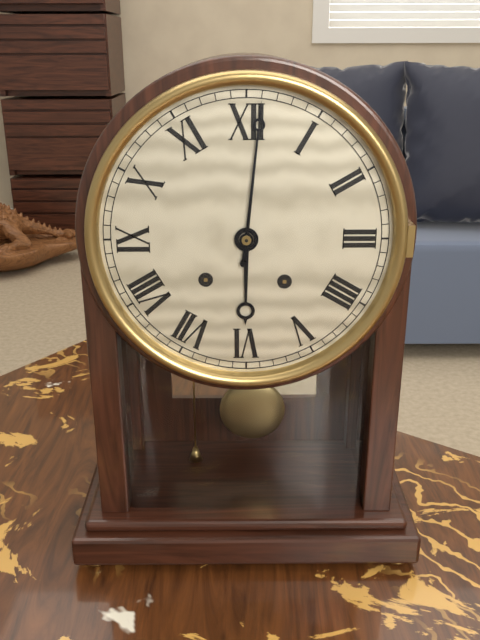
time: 6:01
